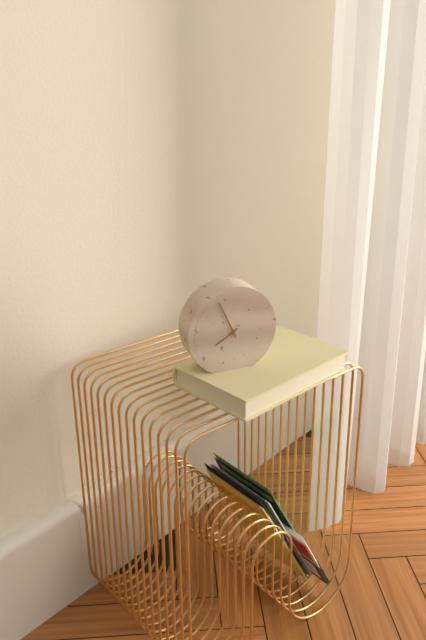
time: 7:56
